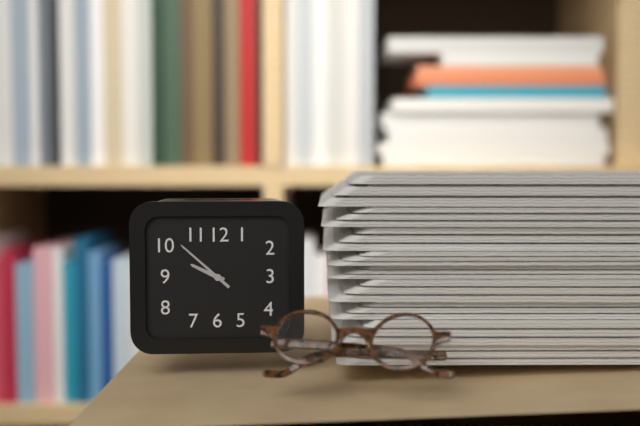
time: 9:52
